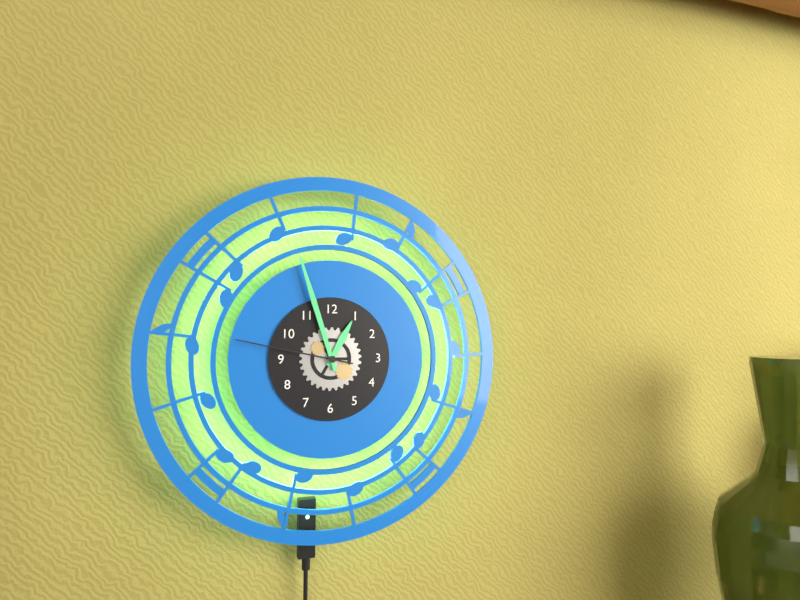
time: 12:57:47
